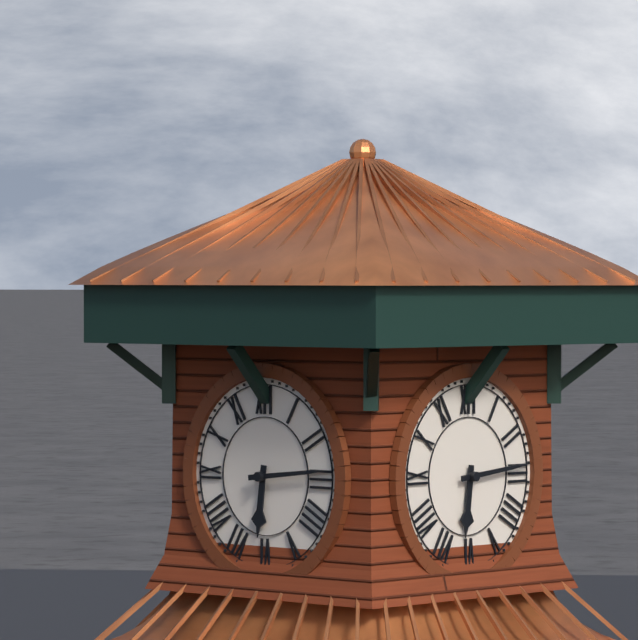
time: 6:14
